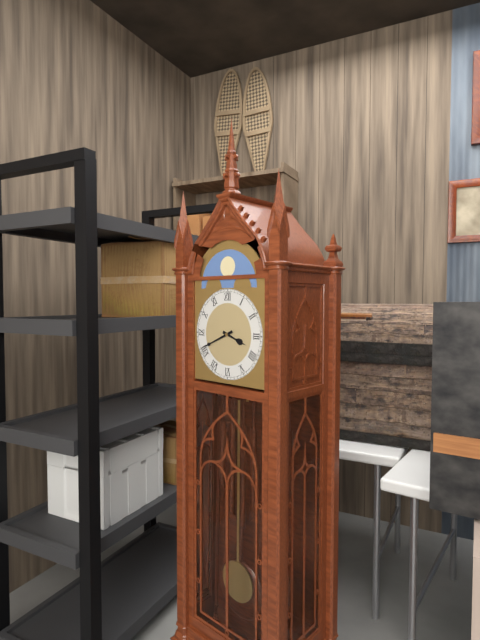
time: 3:41
